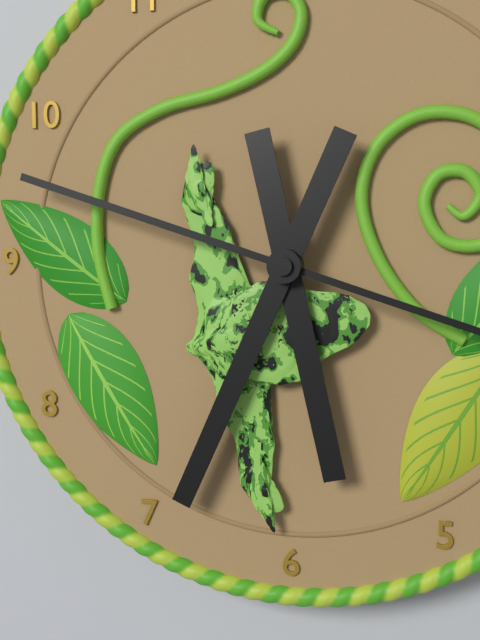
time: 5:34
